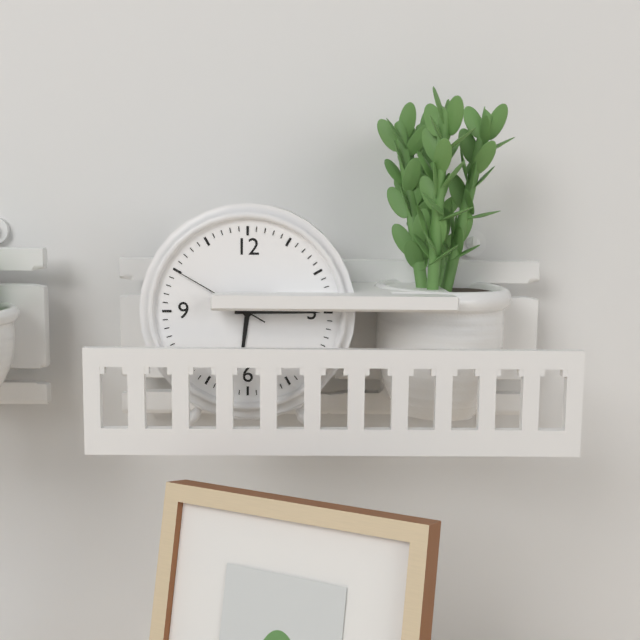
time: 6:15:50
